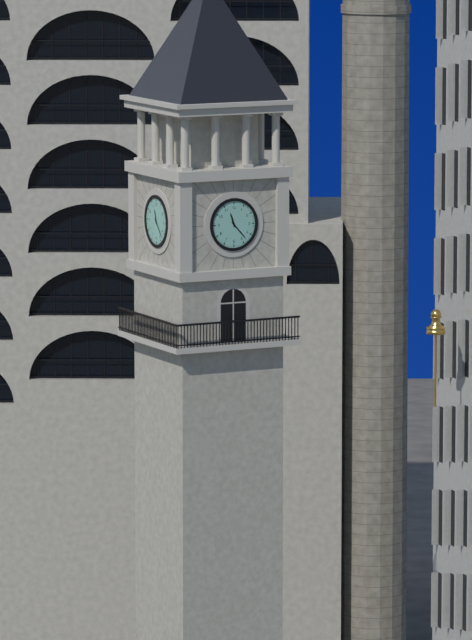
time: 11:23
